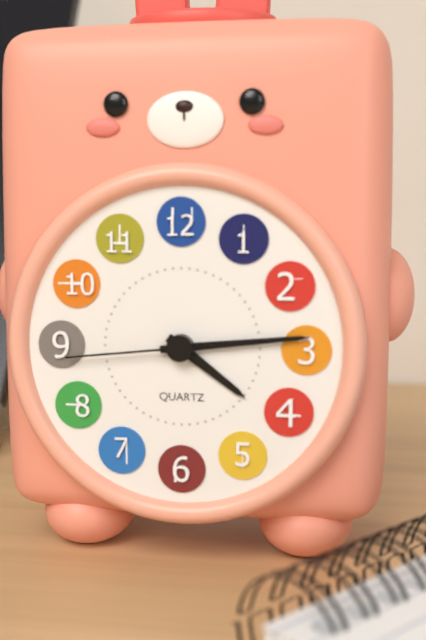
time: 4:14:44
